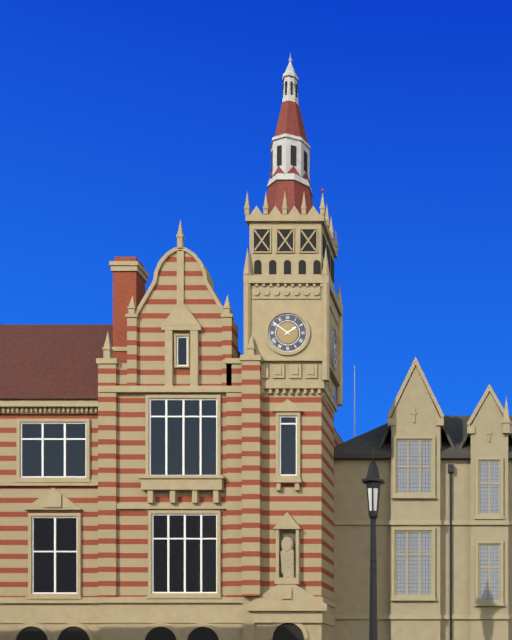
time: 1:51
